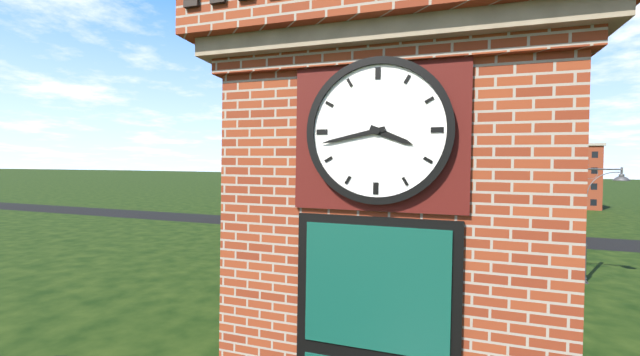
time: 3:43
